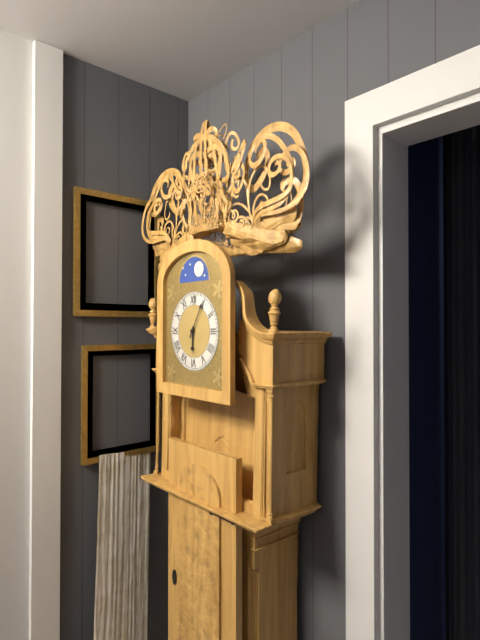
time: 6:05
